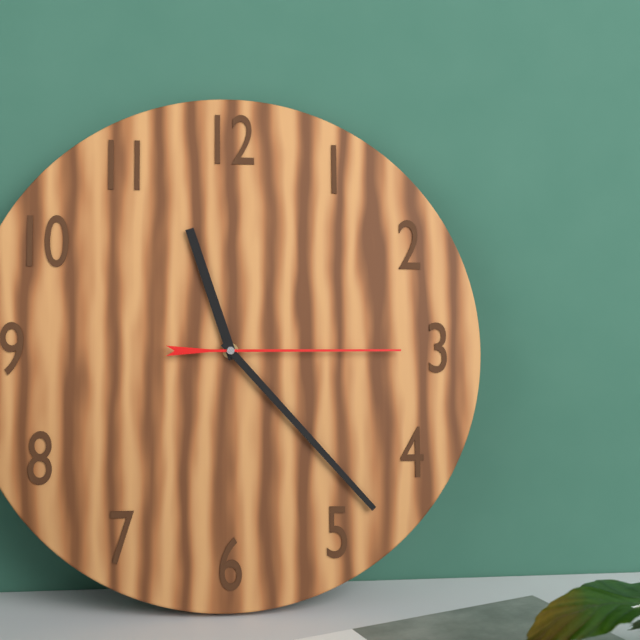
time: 11:23:15
